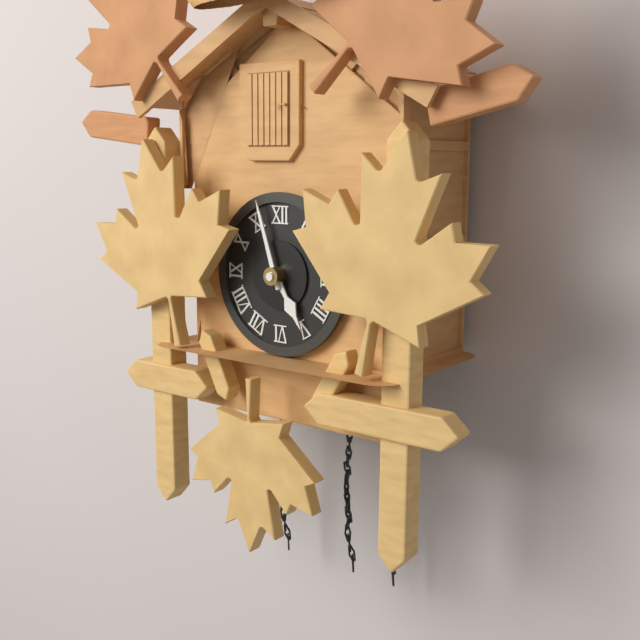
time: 4:57
